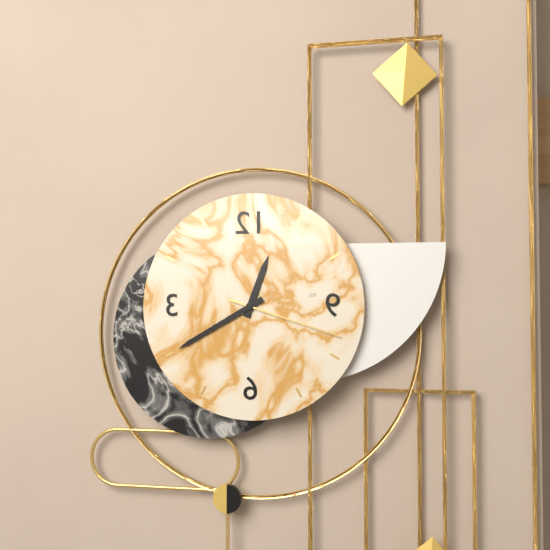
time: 12:40:18
